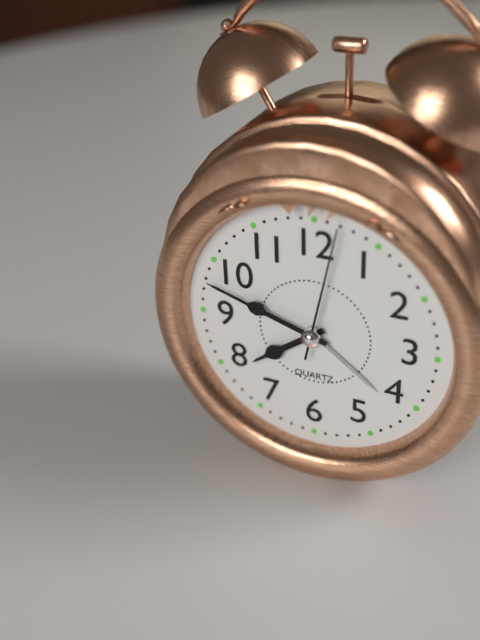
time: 7:48:02
